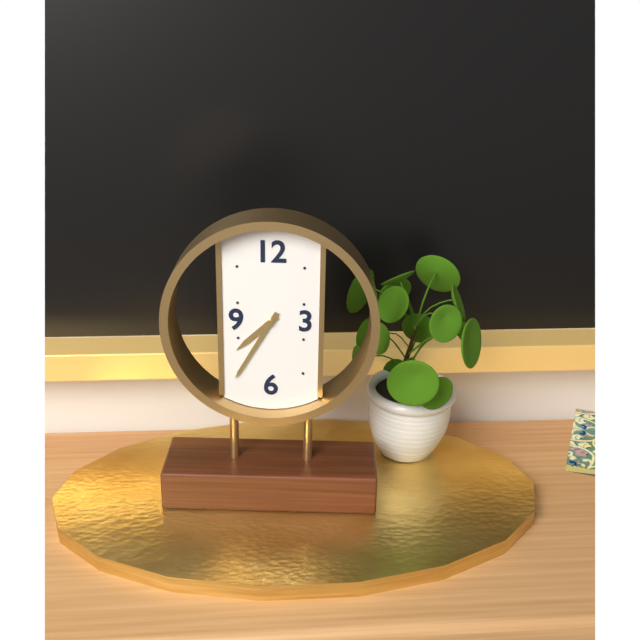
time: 7:35
